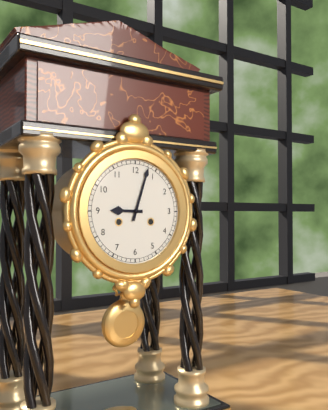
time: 9:03
